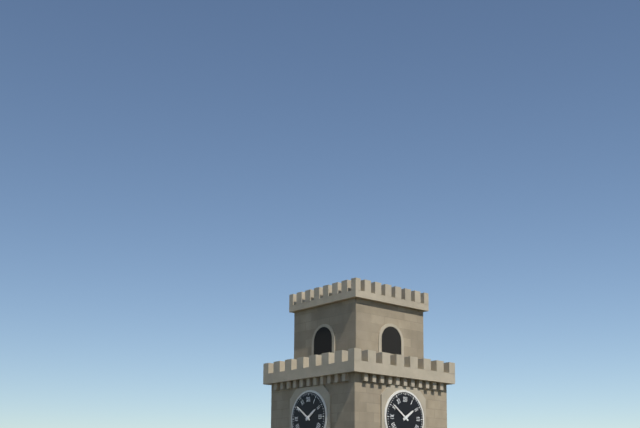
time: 1:51
